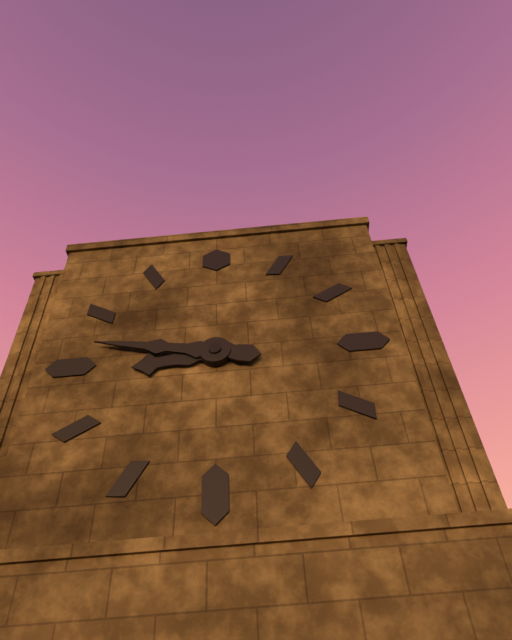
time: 8:47
